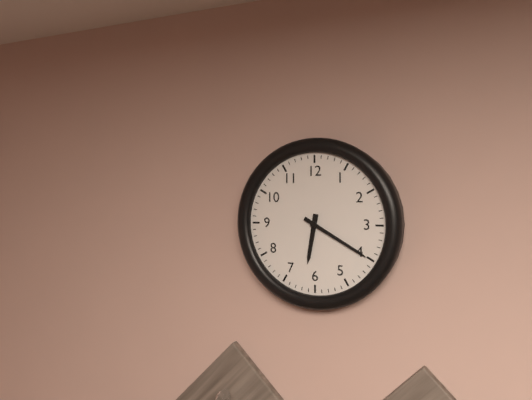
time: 6:20
